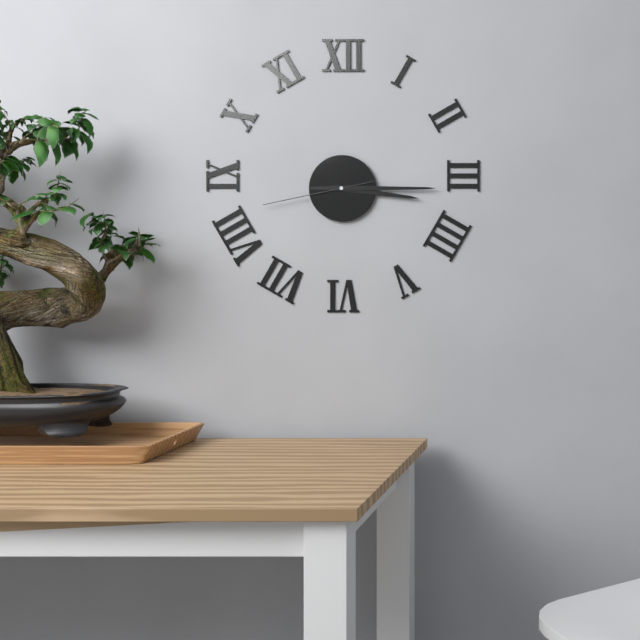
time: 3:15:43
